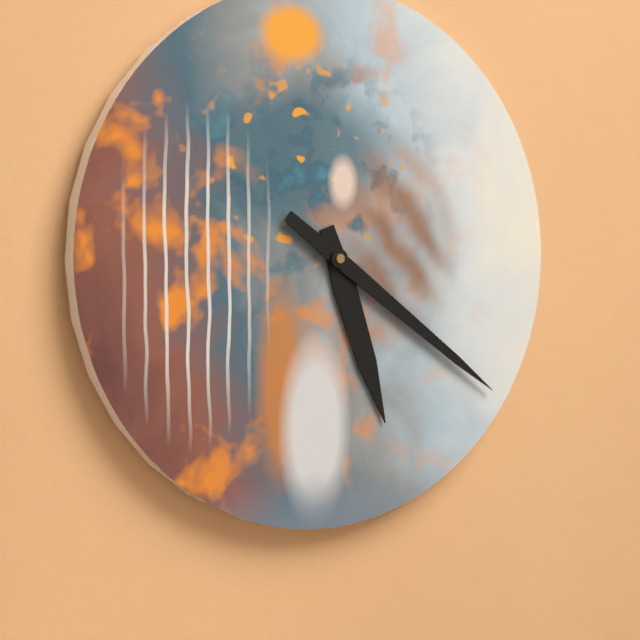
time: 5:21
